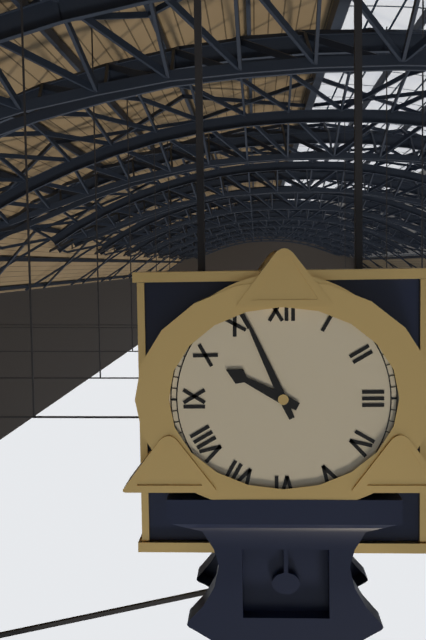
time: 9:56
